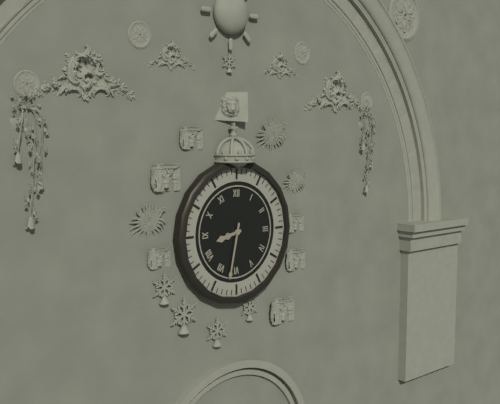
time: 8:32
